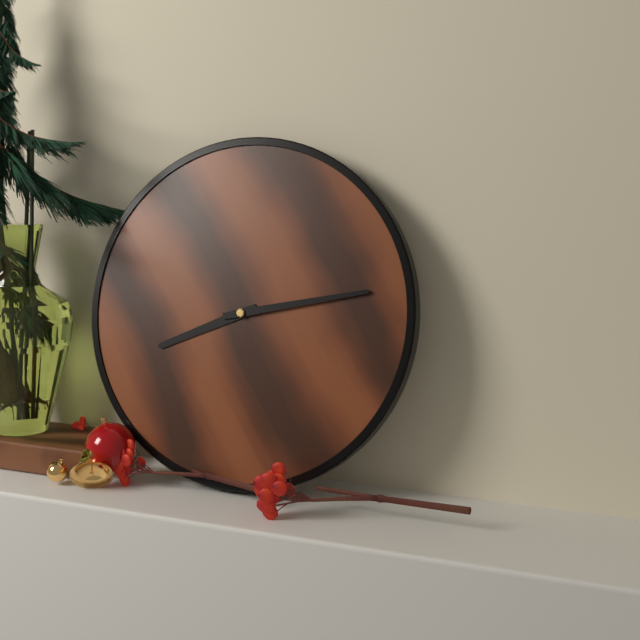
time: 8:13
